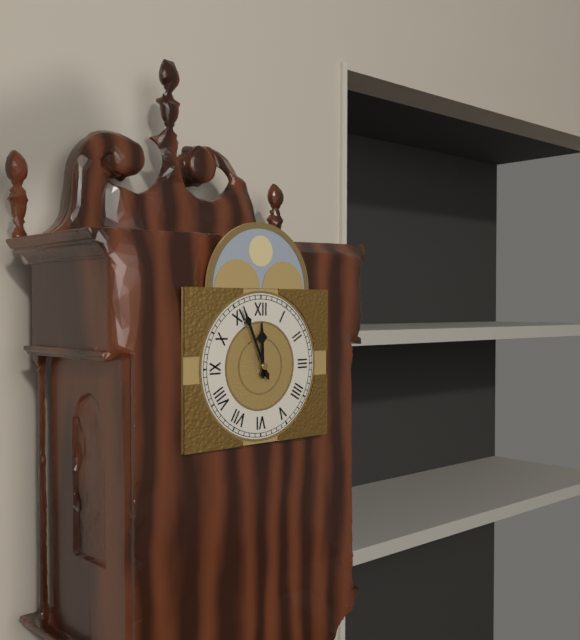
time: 11:56
